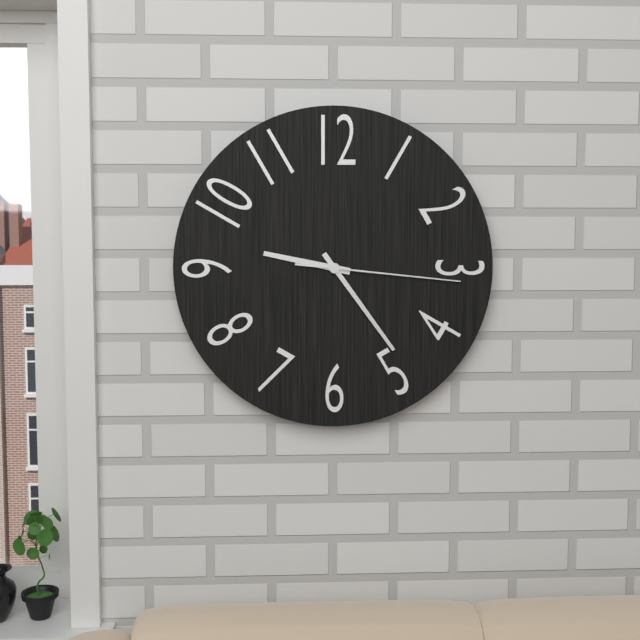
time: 9:24:16
